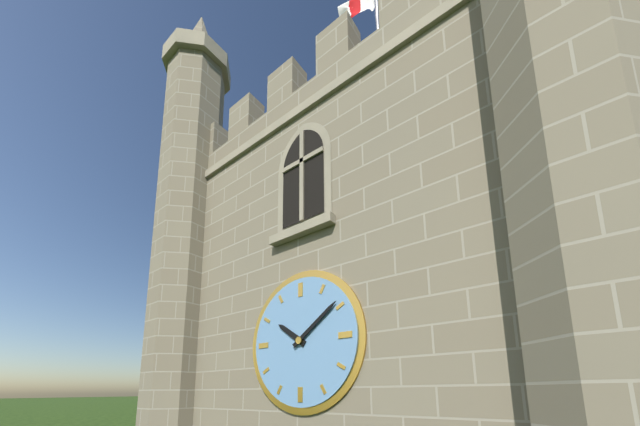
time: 10:09
